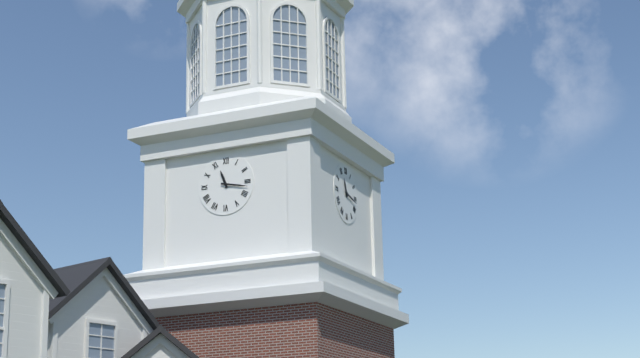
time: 11:17
